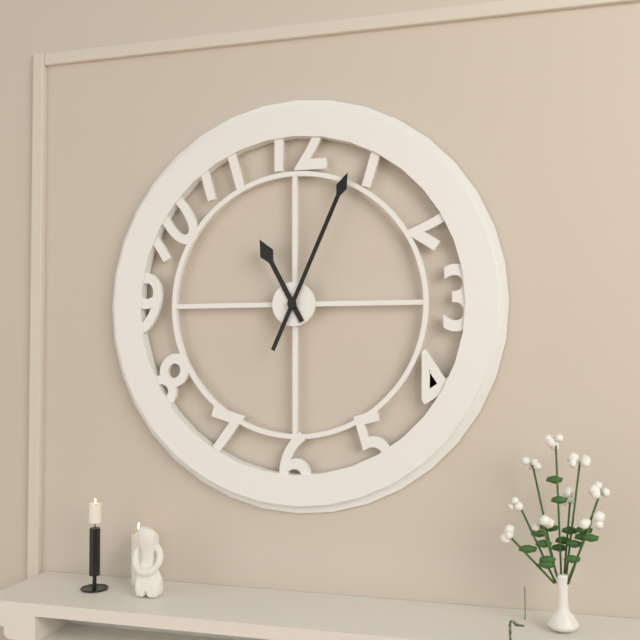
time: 11:04
